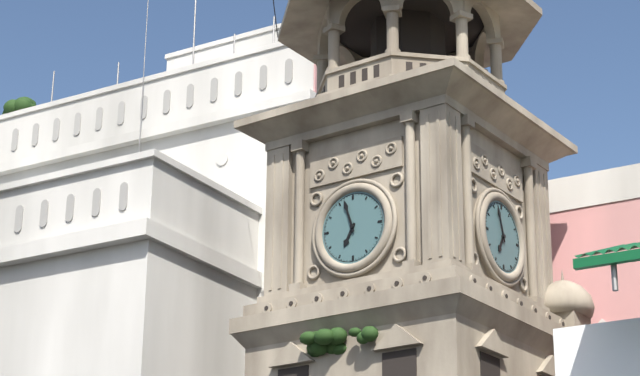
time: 6:57
